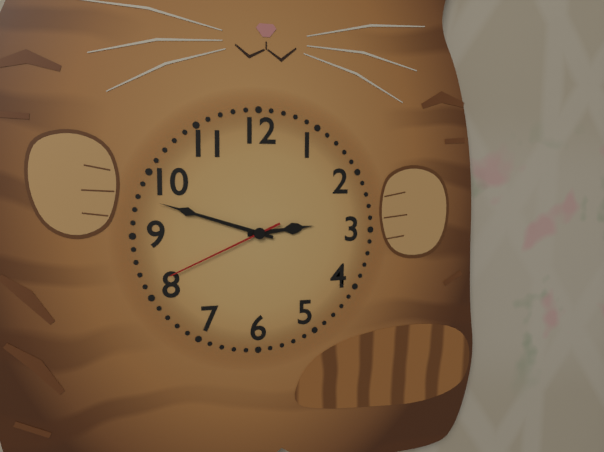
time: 2:48:41
